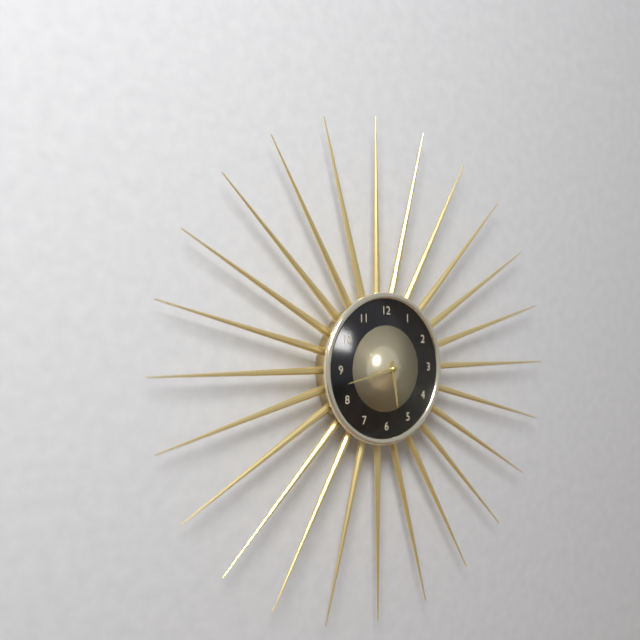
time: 5:43
